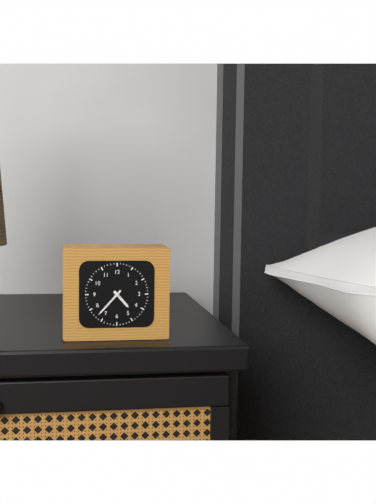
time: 4:37
